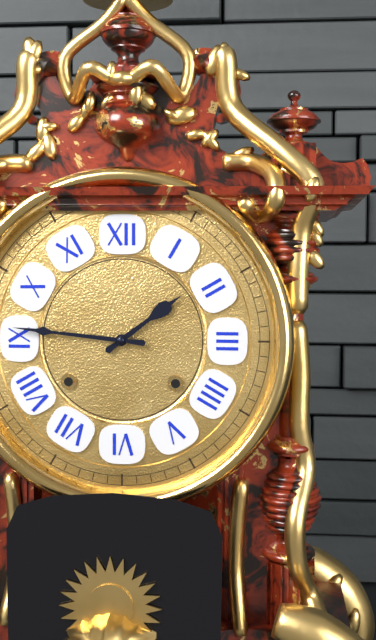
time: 1:46
